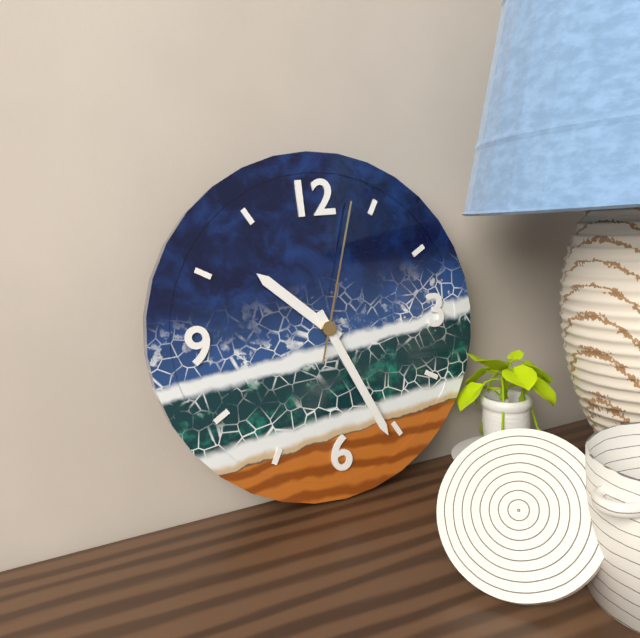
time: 10:26:03
